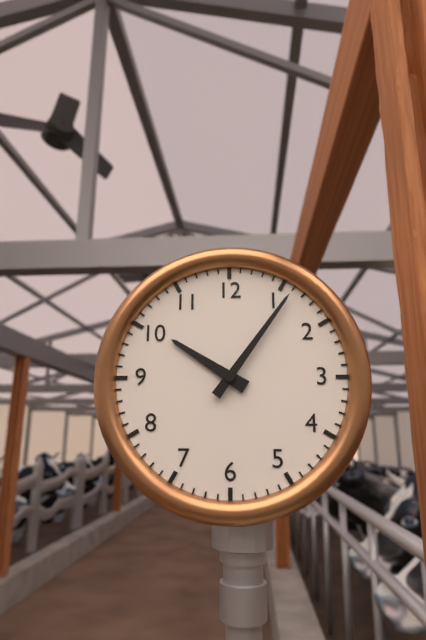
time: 10:06
